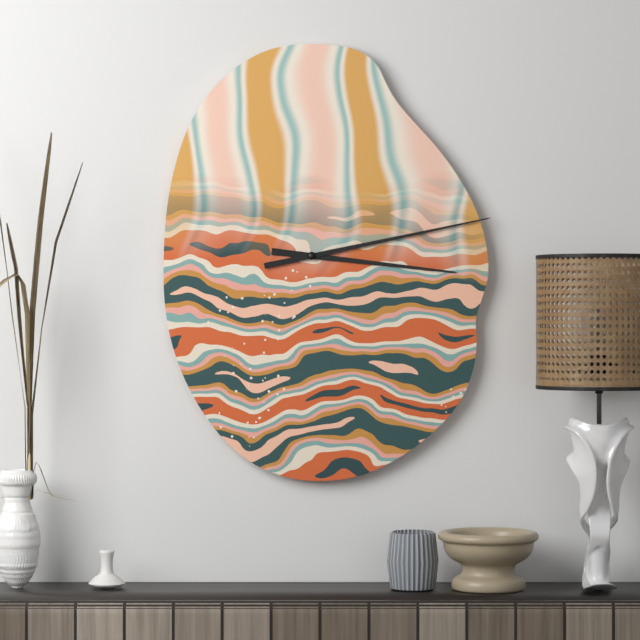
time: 3:13
